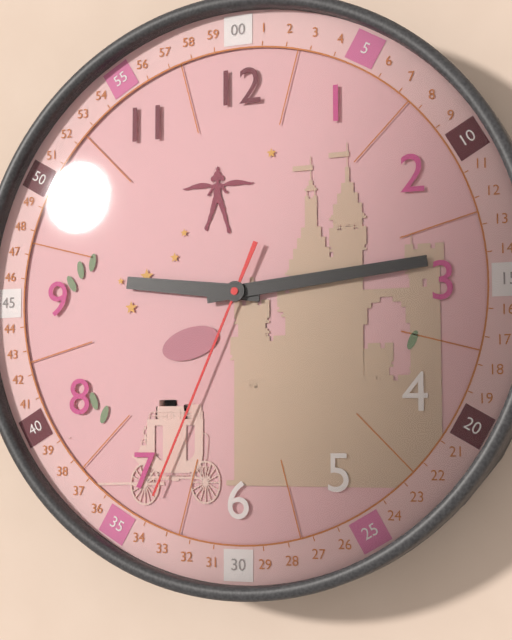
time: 9:14:34
